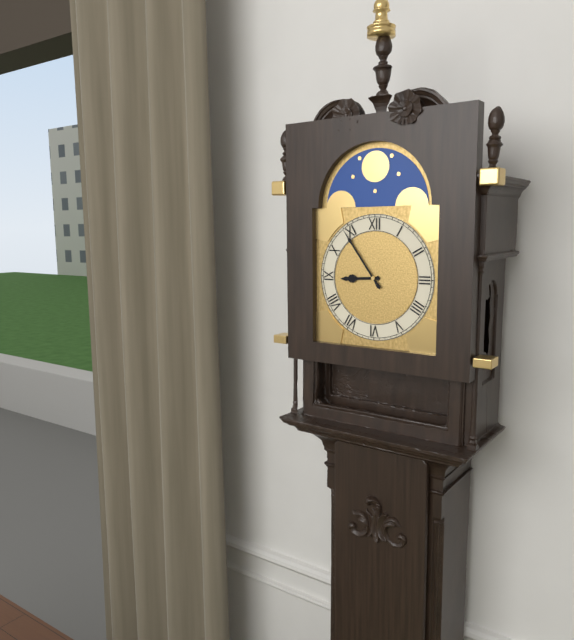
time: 8:54
